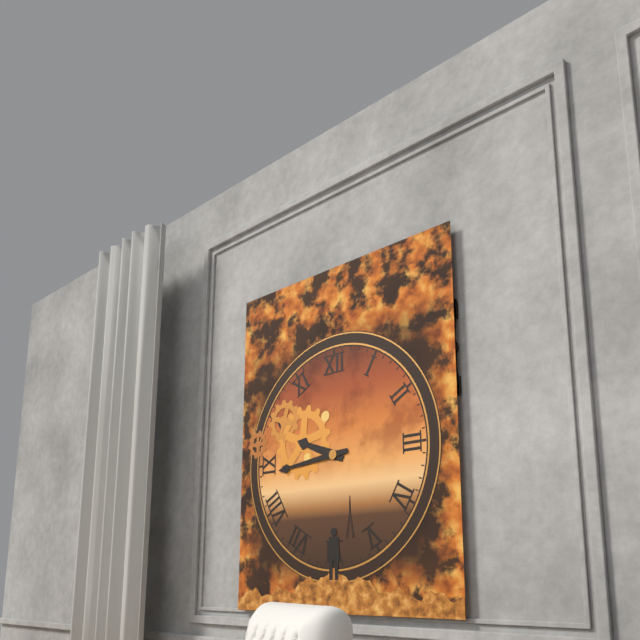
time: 9:44
